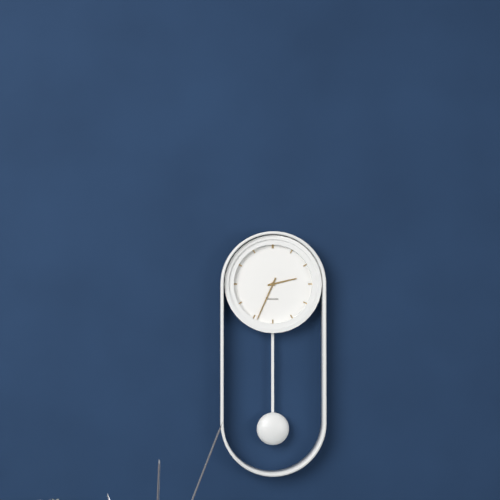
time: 2:34
